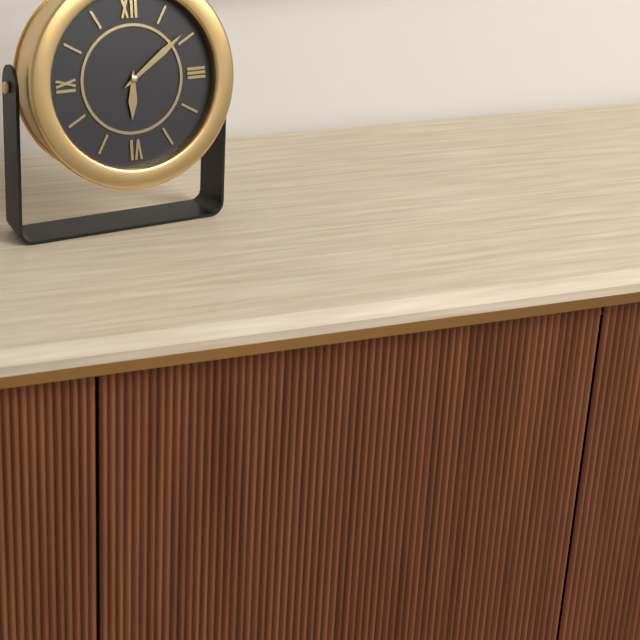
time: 6:09
